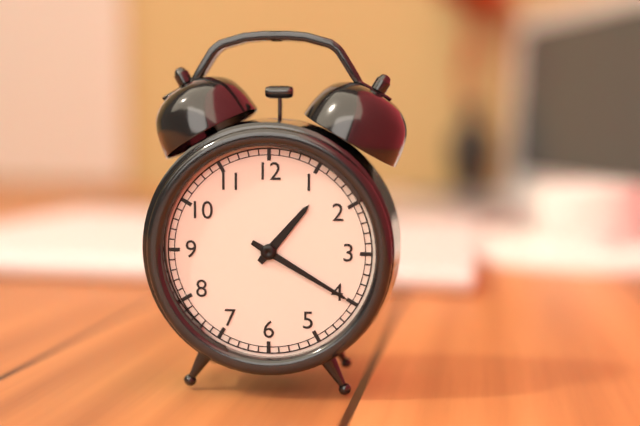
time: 1:20
